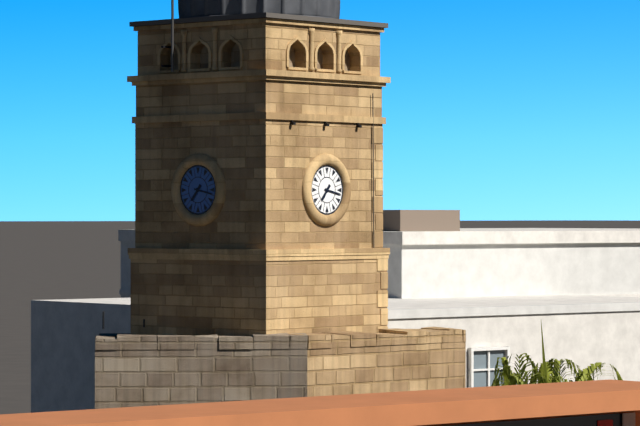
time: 7:17
